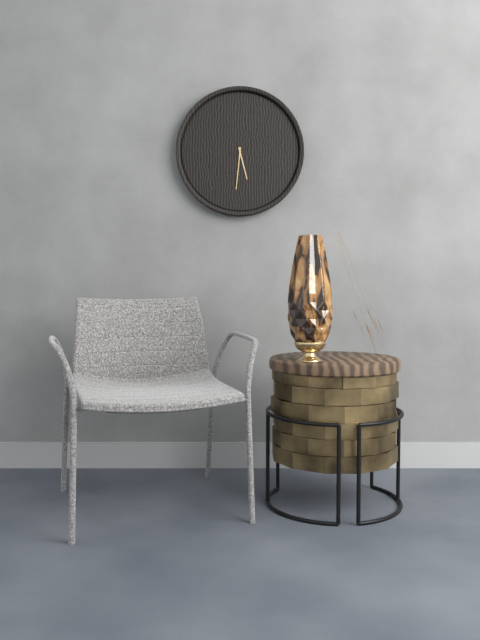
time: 5:31
